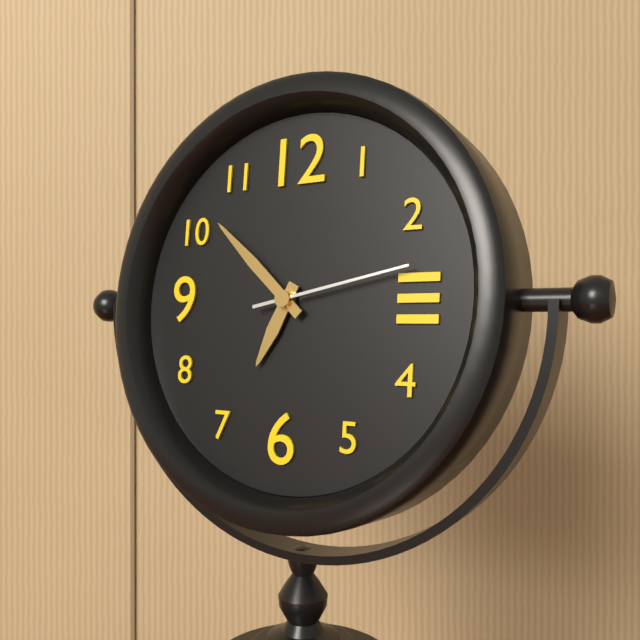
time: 6:52:13
